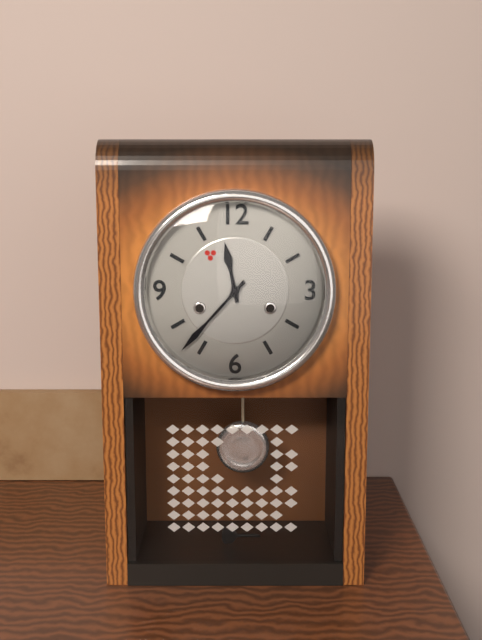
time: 11:37
